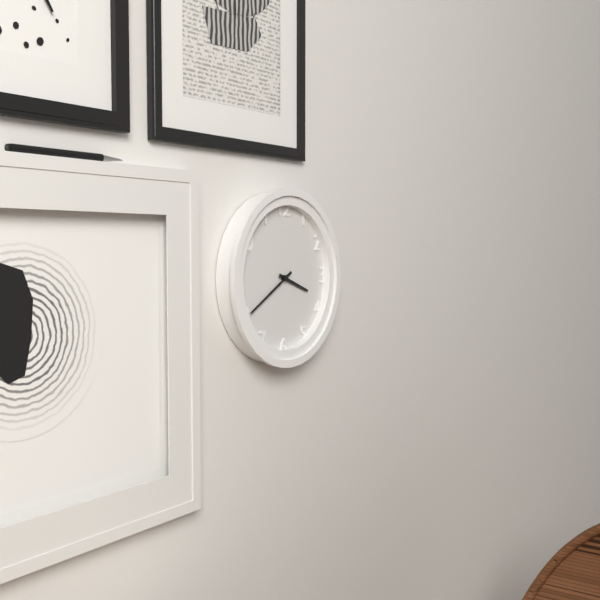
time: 3:40
